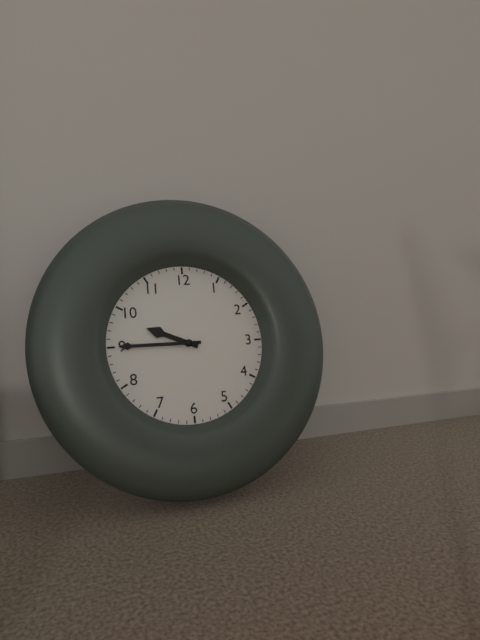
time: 9:45
